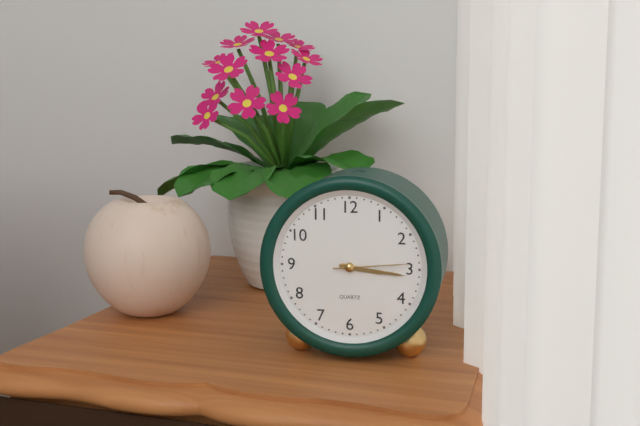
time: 3:16:14
